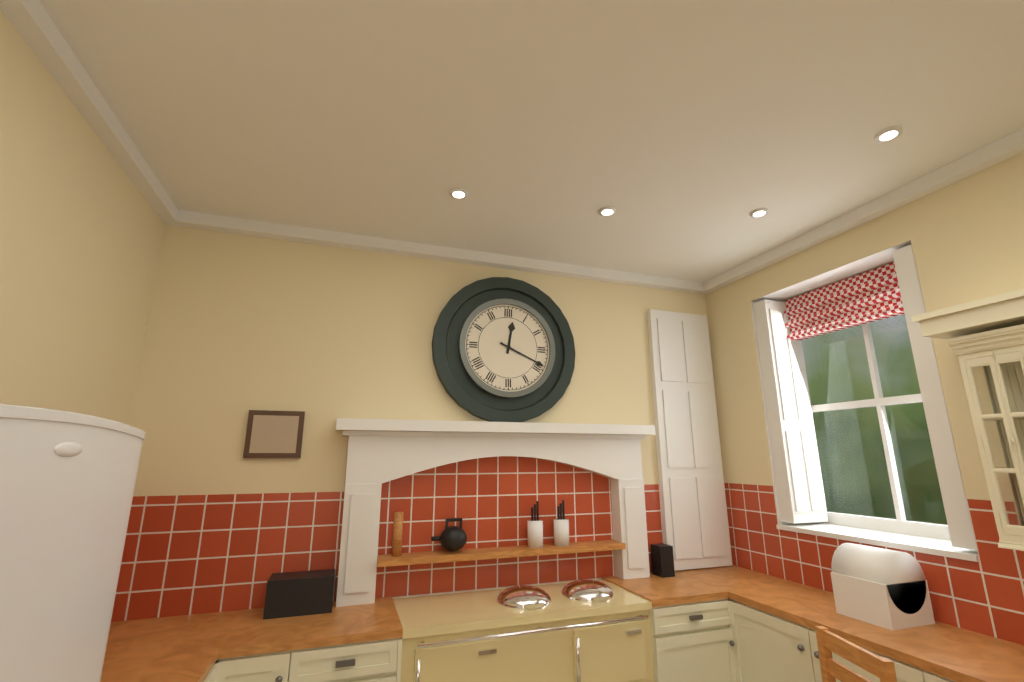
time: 12:19
